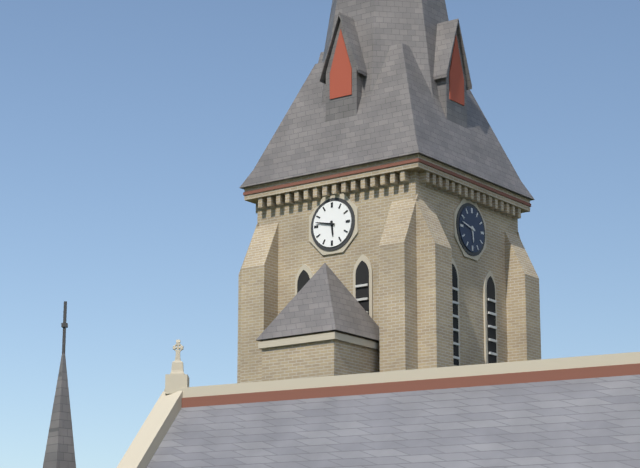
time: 5:47
